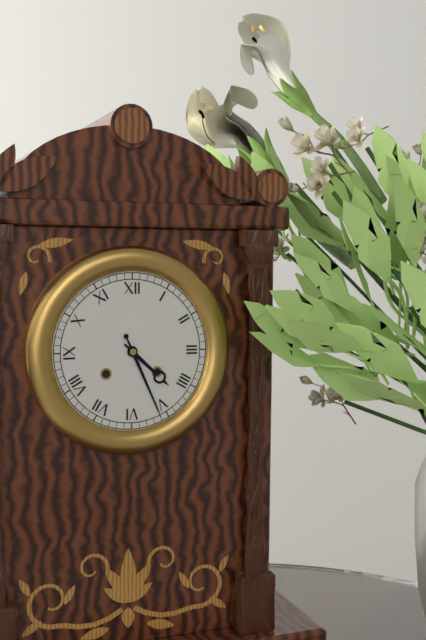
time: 4:26
